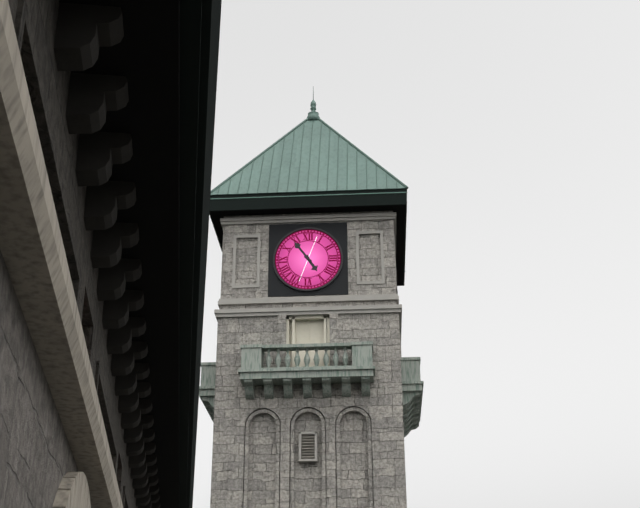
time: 4:54
